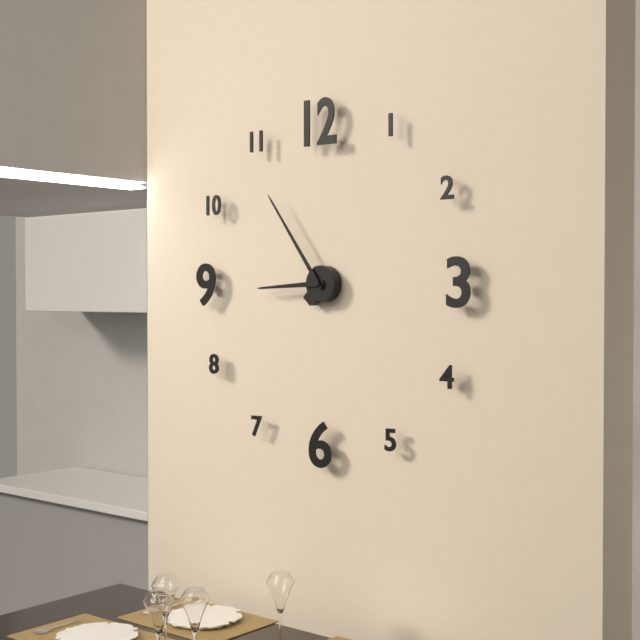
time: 8:54
